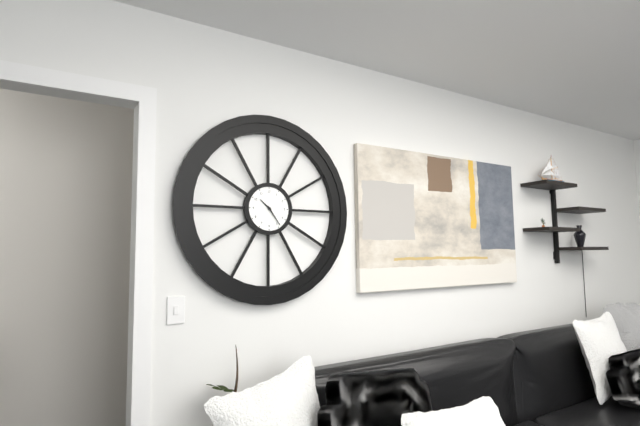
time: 10:24
